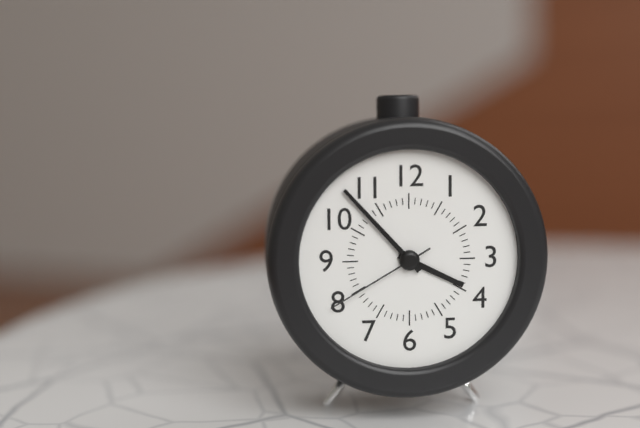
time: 3:53:40
